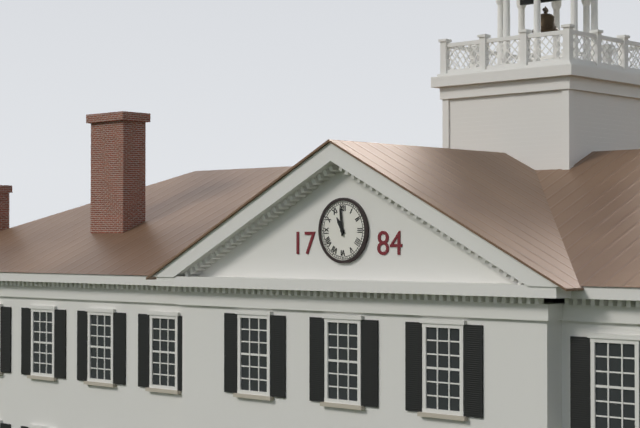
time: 10:59
